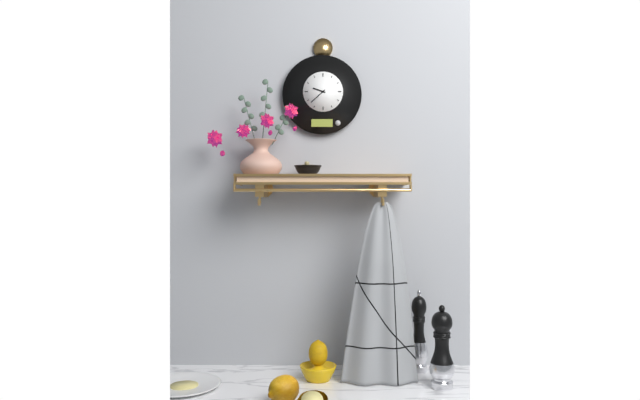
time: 9:38
